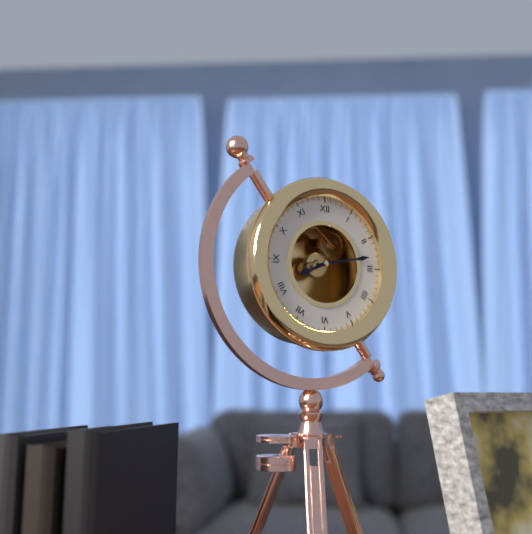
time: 8:13
